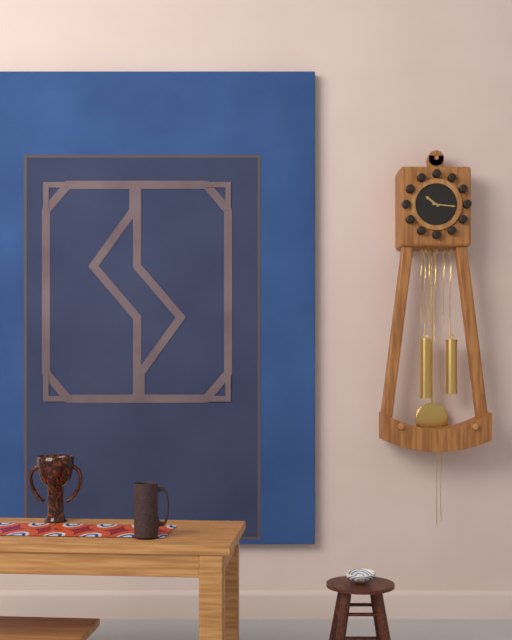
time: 10:16
